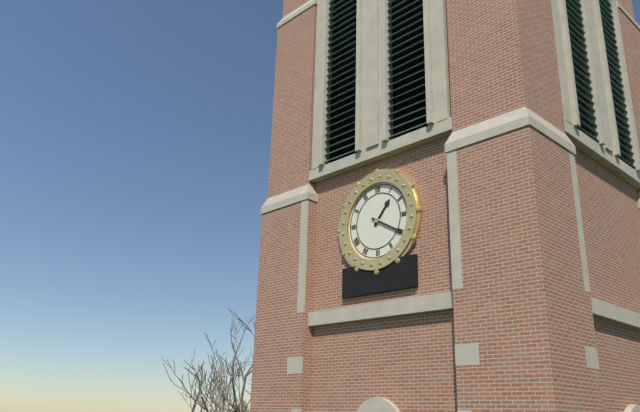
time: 1:20
